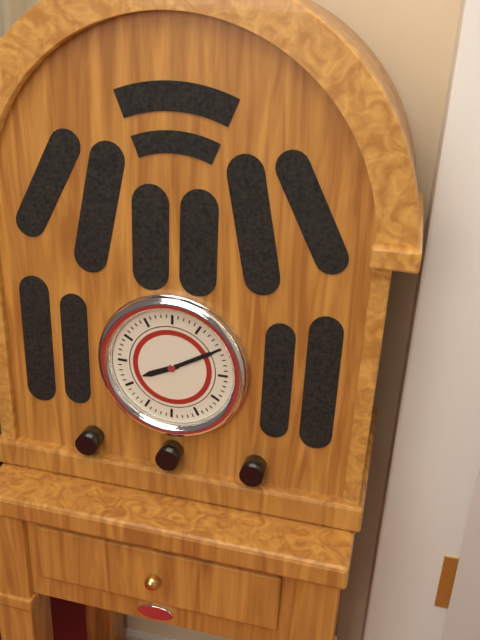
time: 8:10
